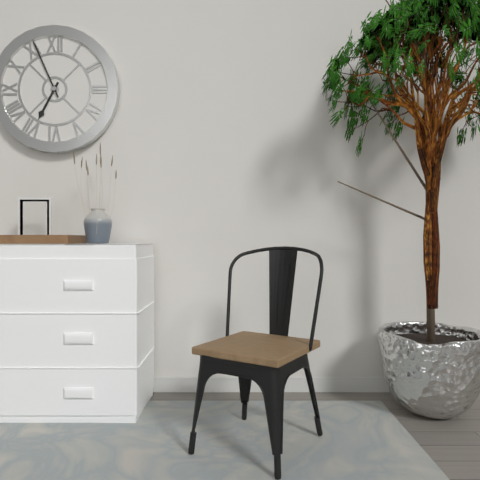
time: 6:56
